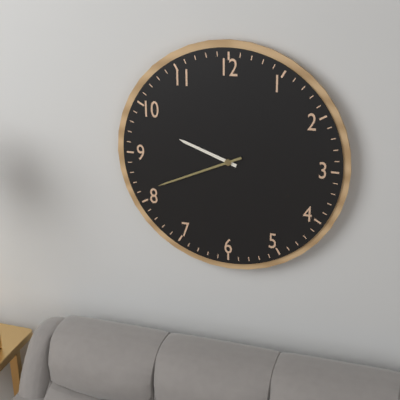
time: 9:41
